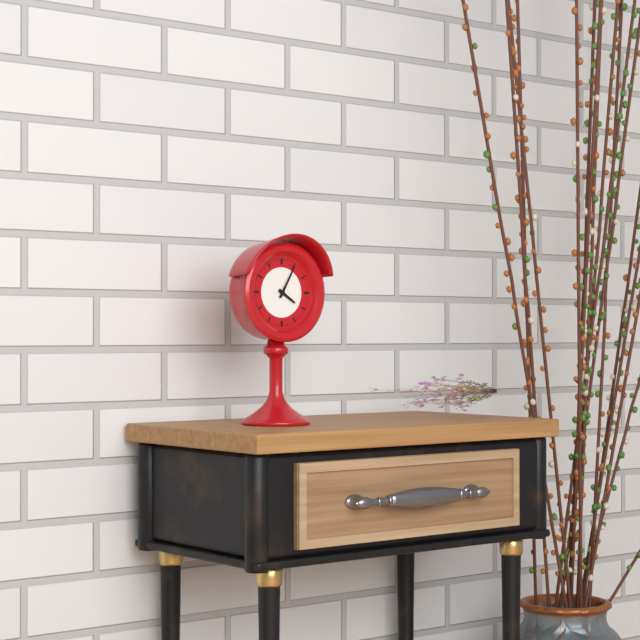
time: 4:05
